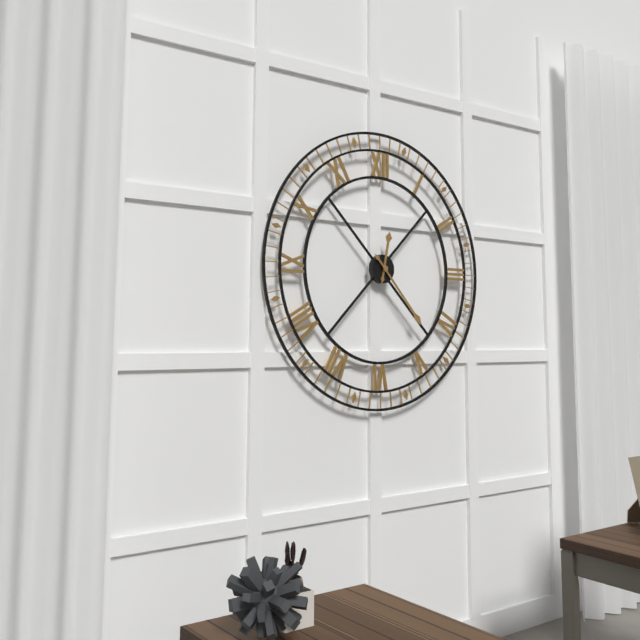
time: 12:23
